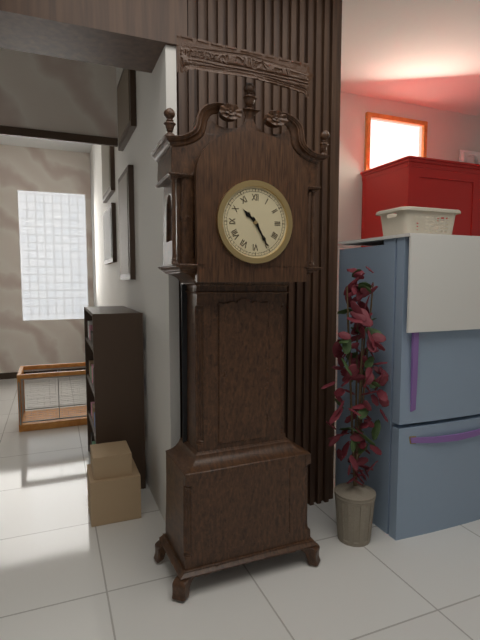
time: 10:25
